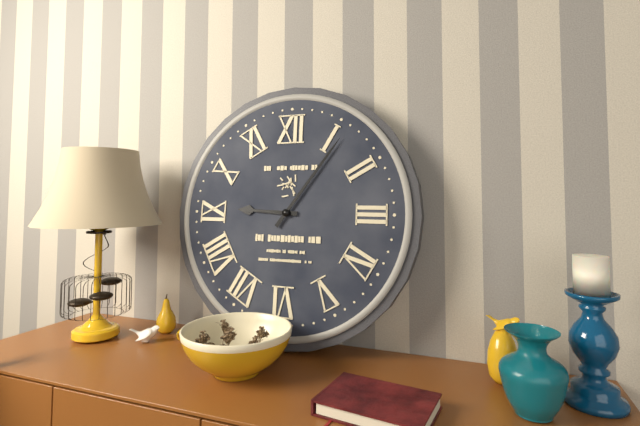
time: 9:06
